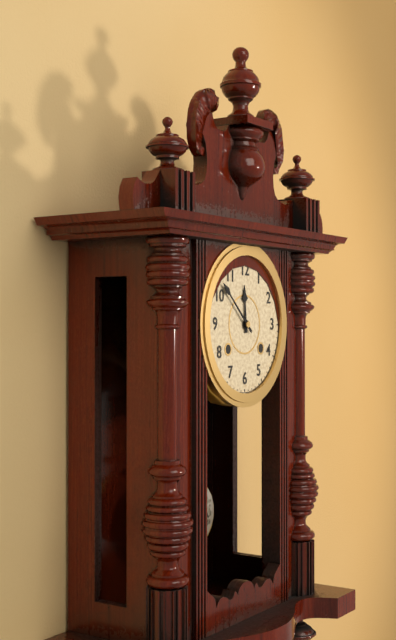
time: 11:52
